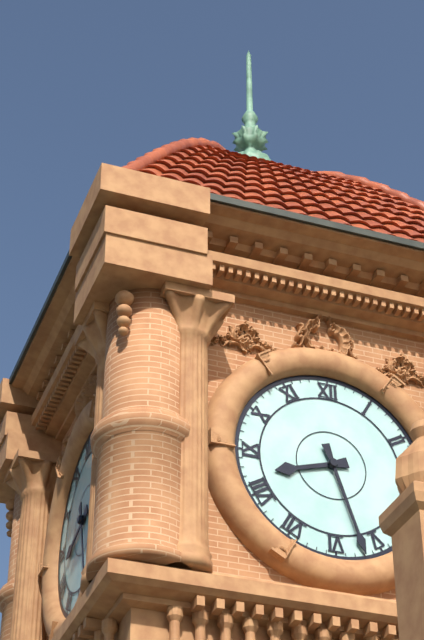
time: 8:27
